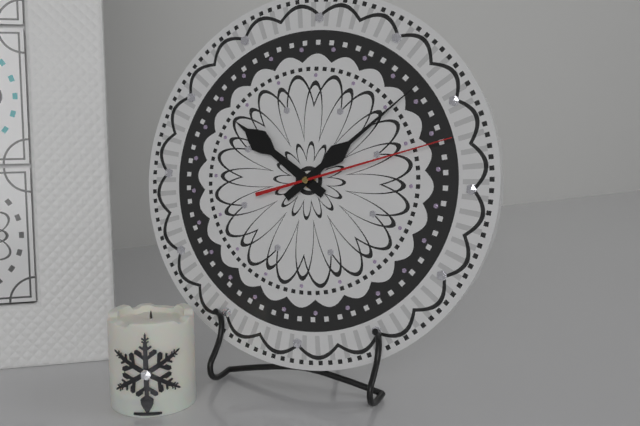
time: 10:08:12
